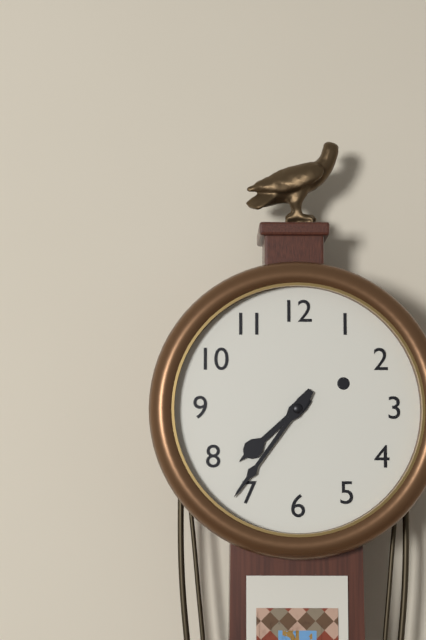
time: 7:36
